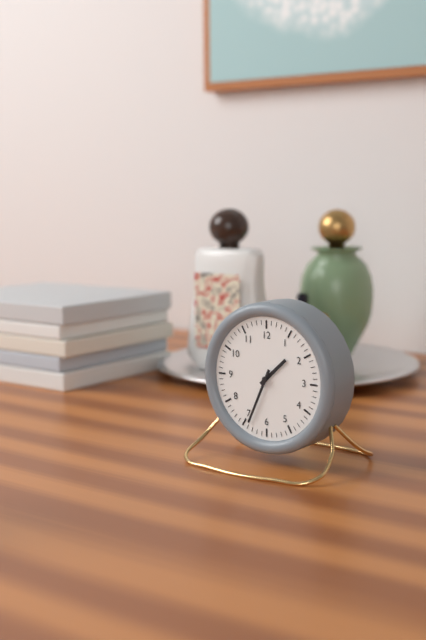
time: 1:34
